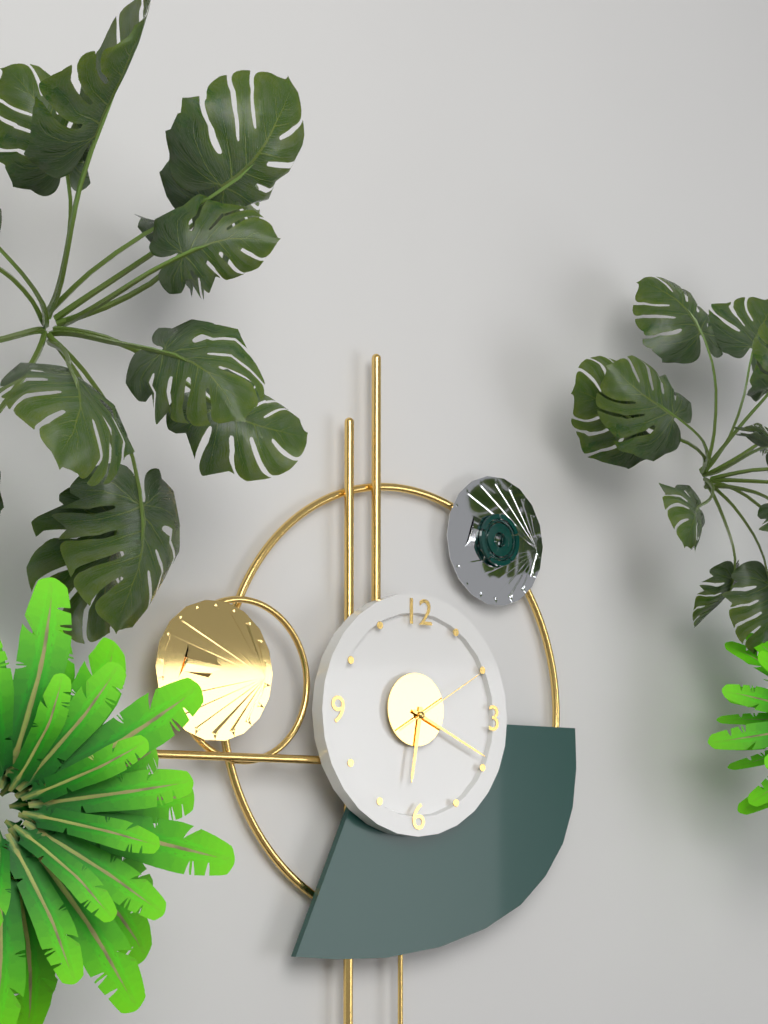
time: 6:19:10
